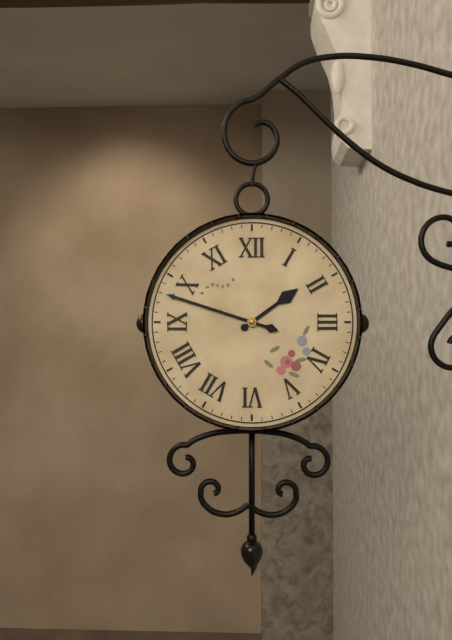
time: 1:48
